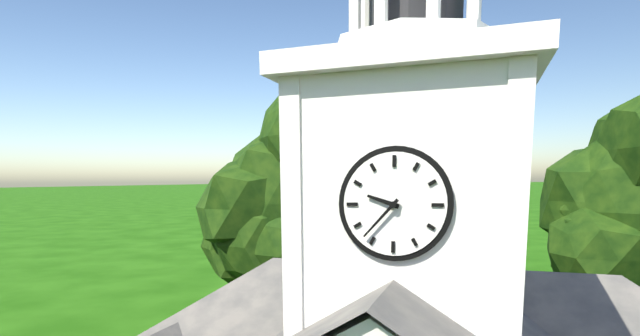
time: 9:37
